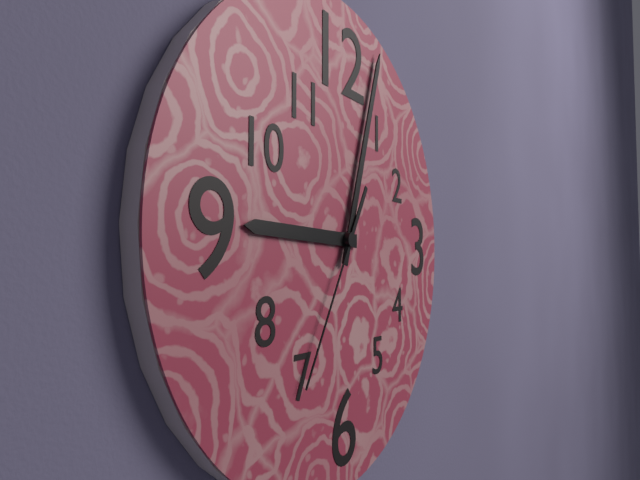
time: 9:03:35
